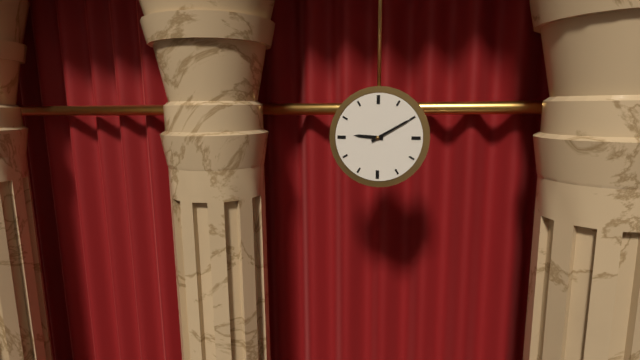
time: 9:10
